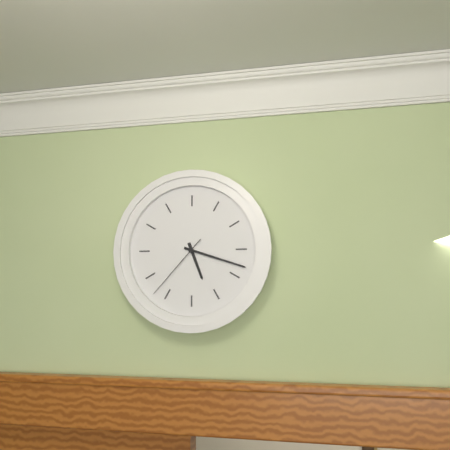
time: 5:18:37
